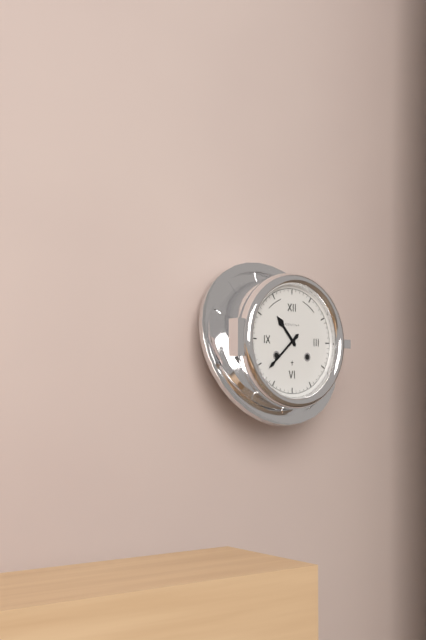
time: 10:38
